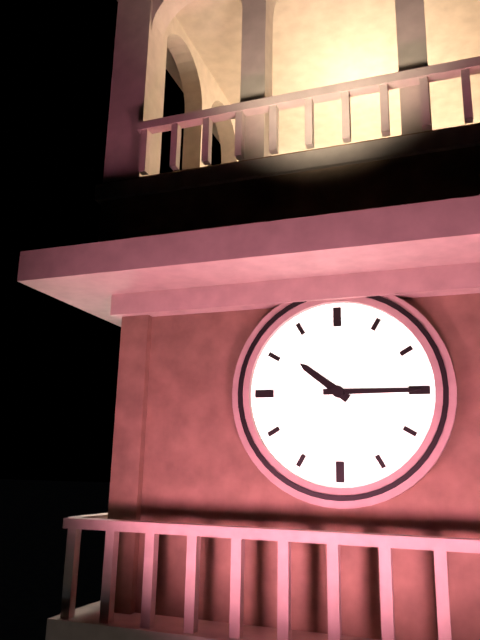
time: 10:15
